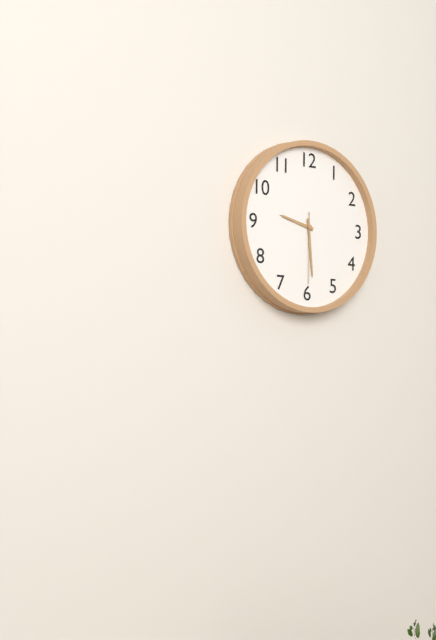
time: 9:29:30
